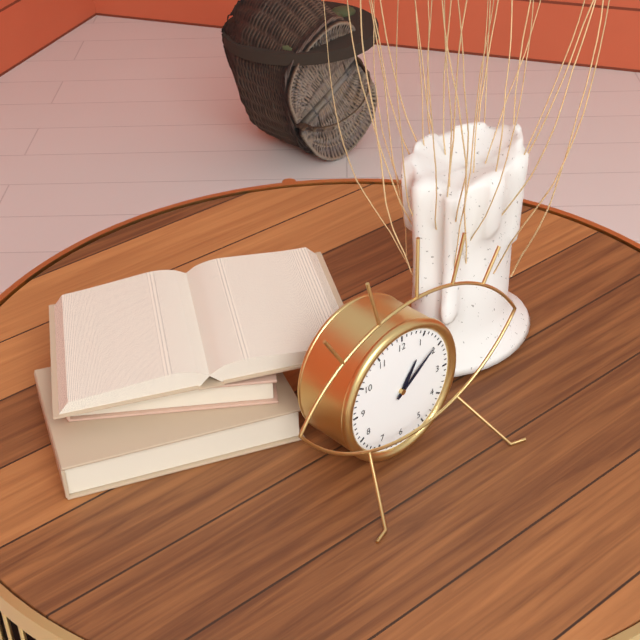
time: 1:09
